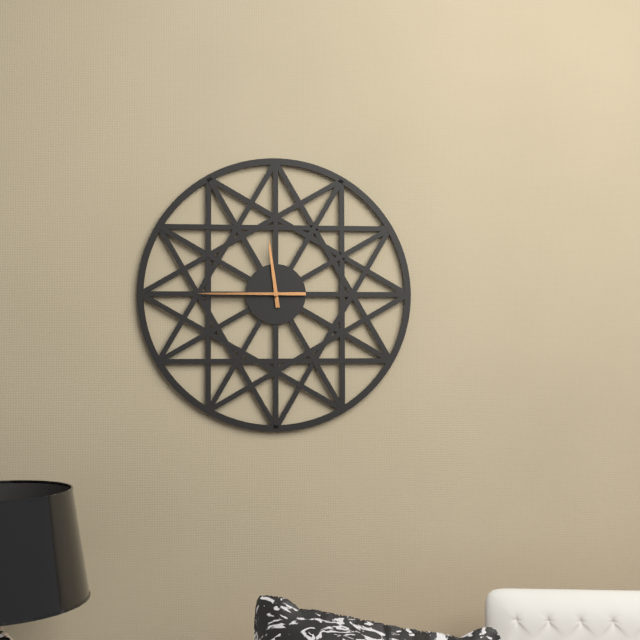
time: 11:45
